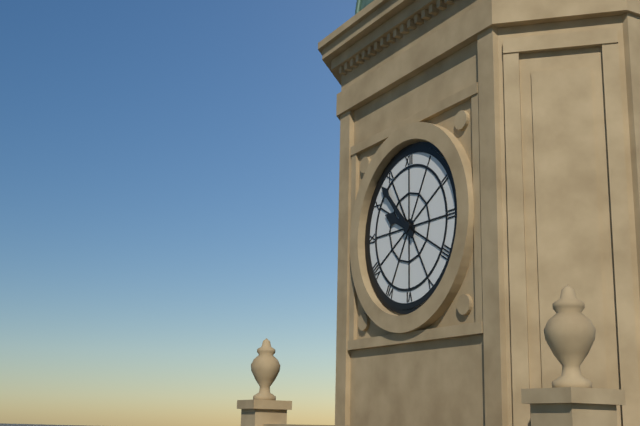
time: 9:53
